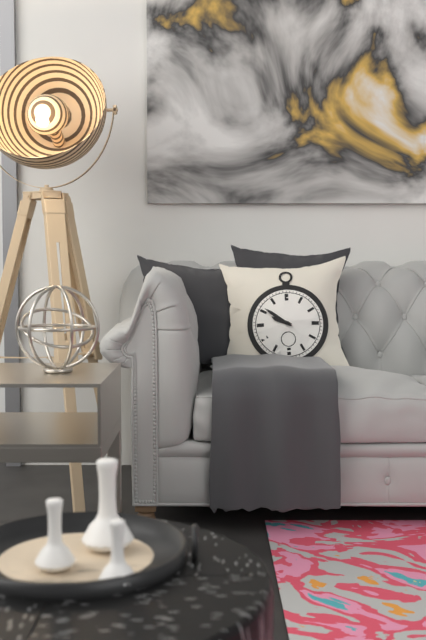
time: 9:51
